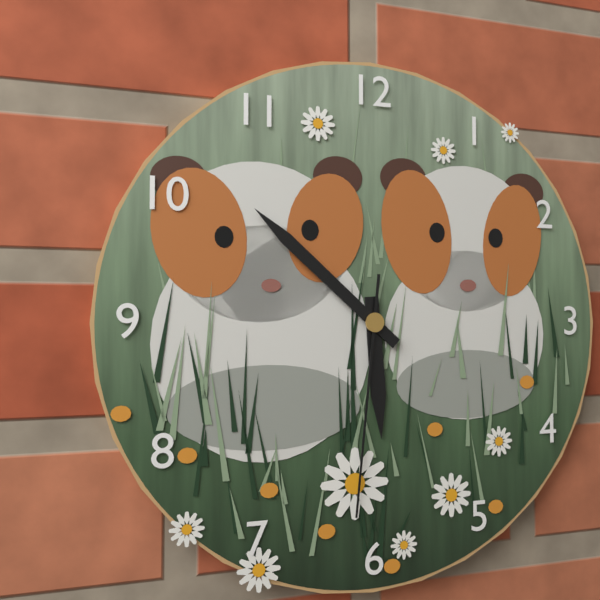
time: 5:52:31
